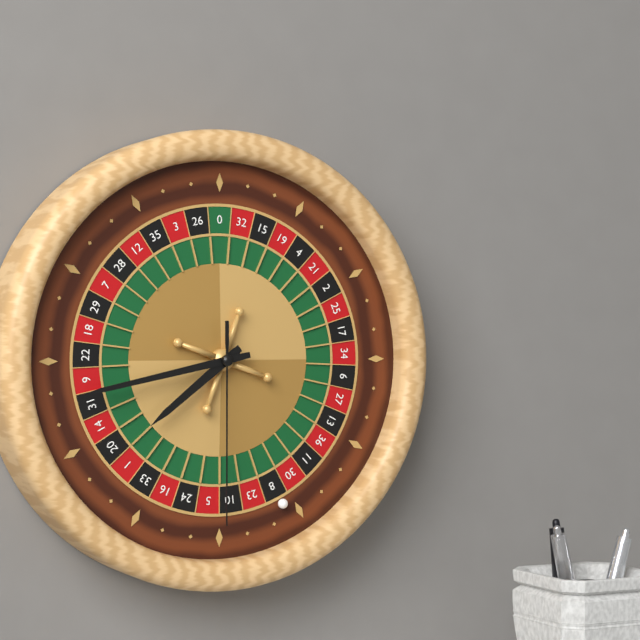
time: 7:43:30
